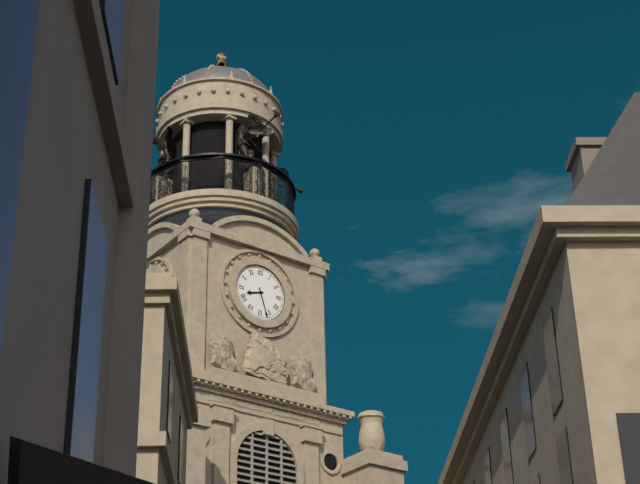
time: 8:27
